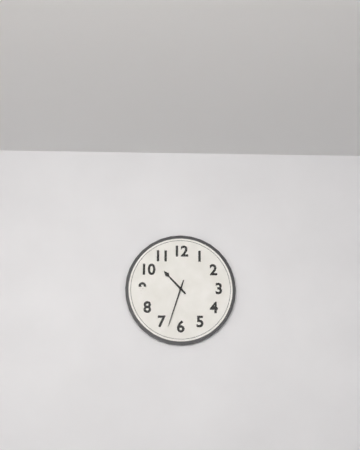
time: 10:33
